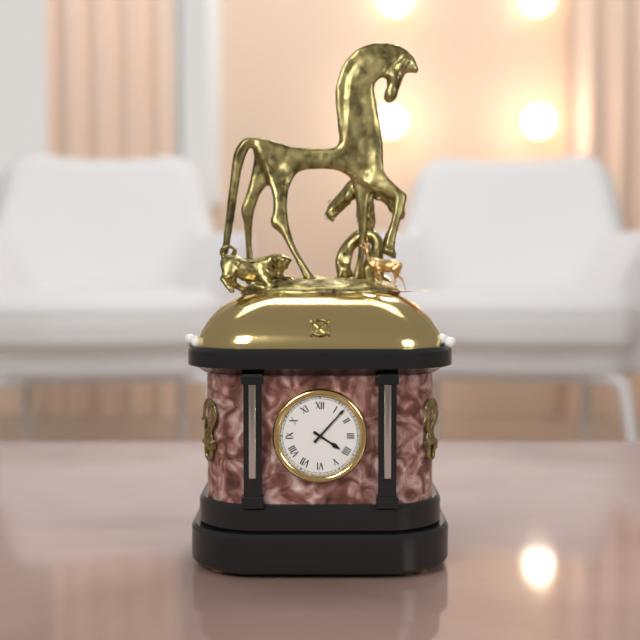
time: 4:07
